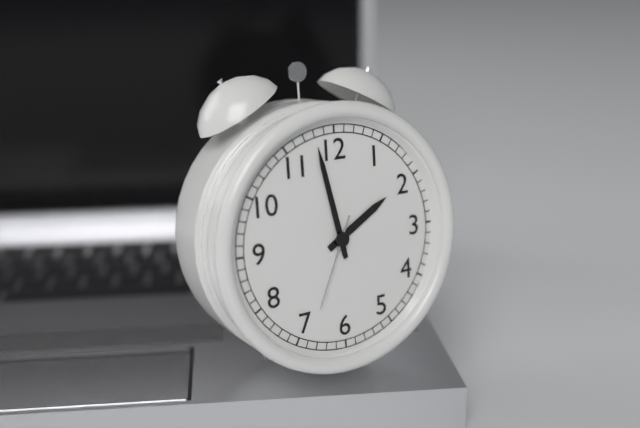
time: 1:58:34
